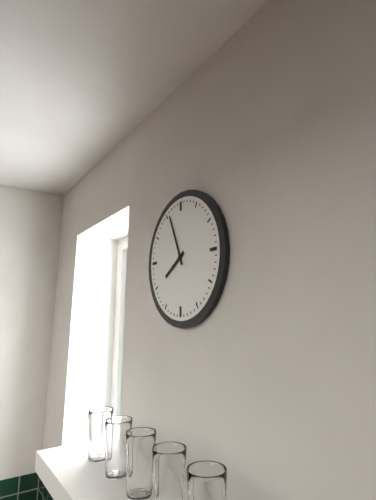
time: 7:56
